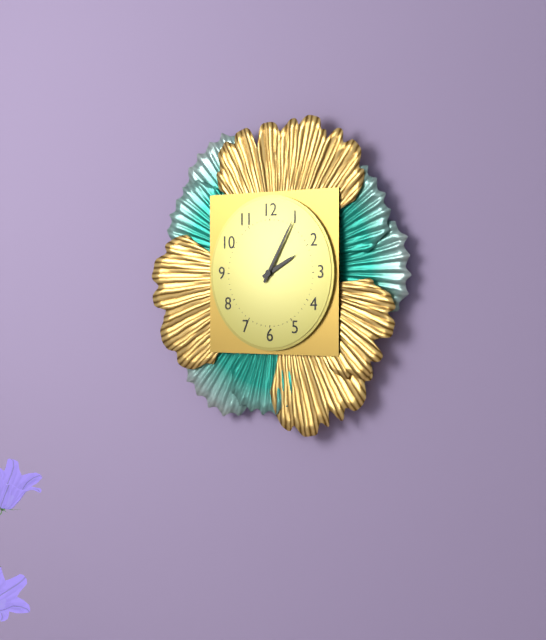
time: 2:05
